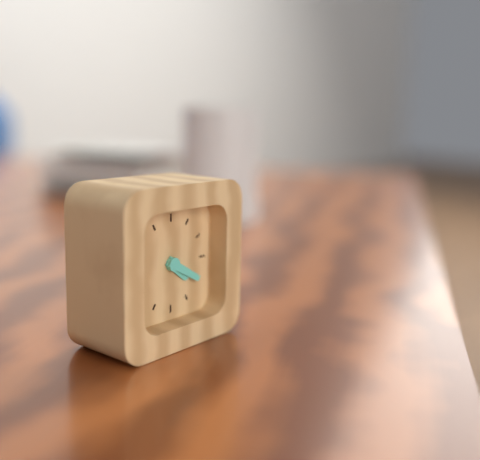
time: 4:20
